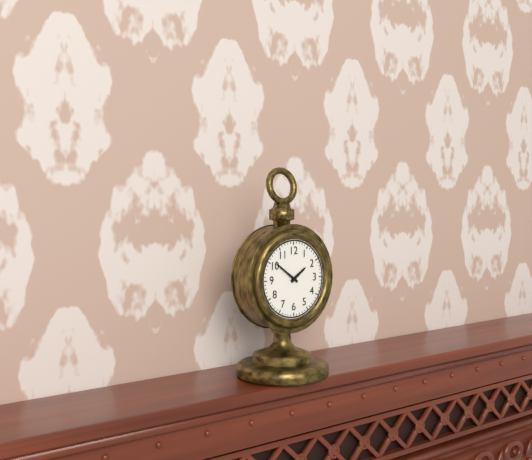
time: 1:51
